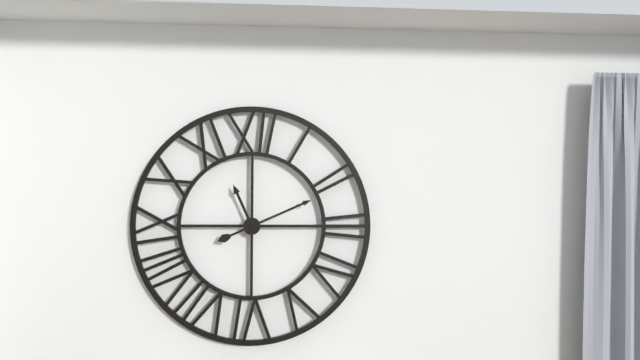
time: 11:11
